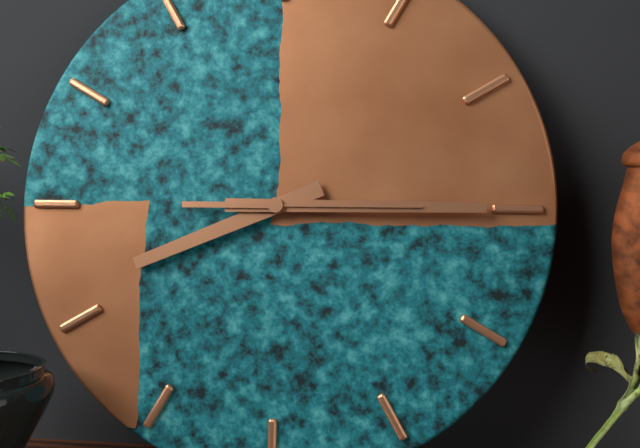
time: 8:15:15
